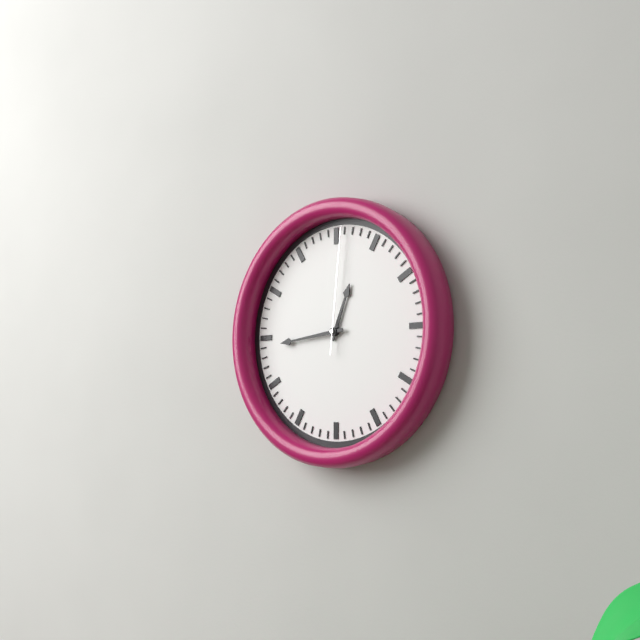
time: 12:44:01
